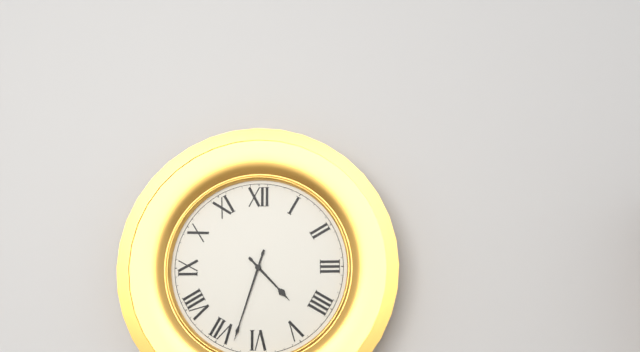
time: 4:33
